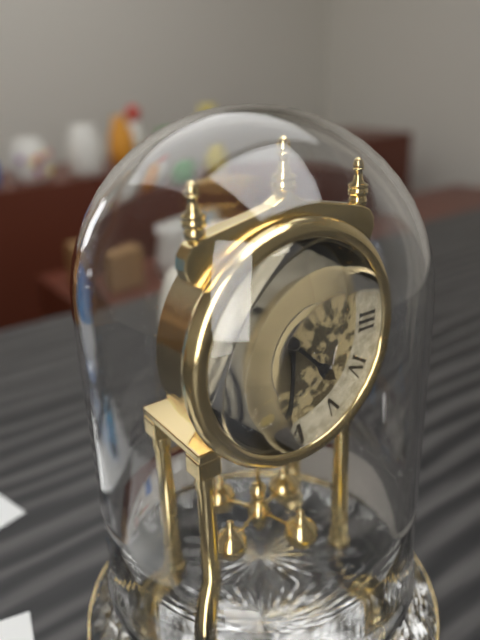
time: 4:31
